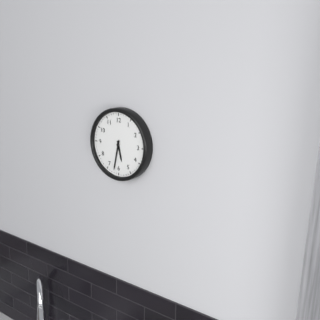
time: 5:32
